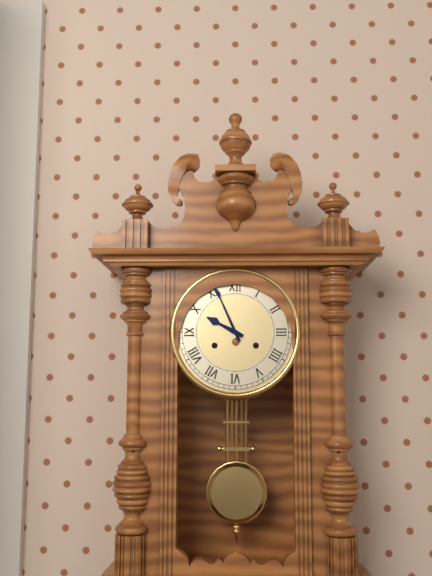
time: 9:56
